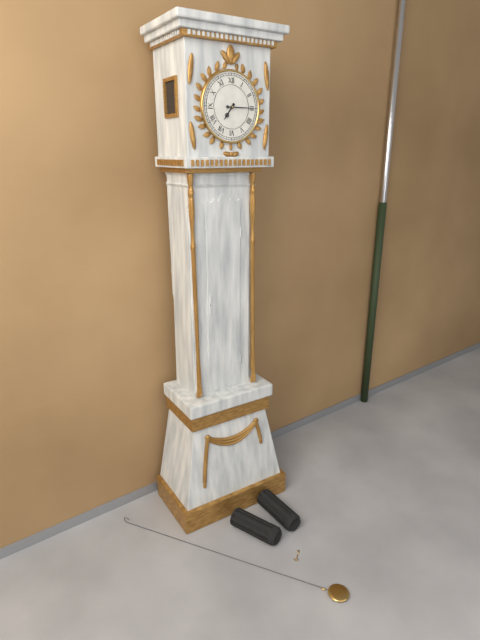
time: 7:15
